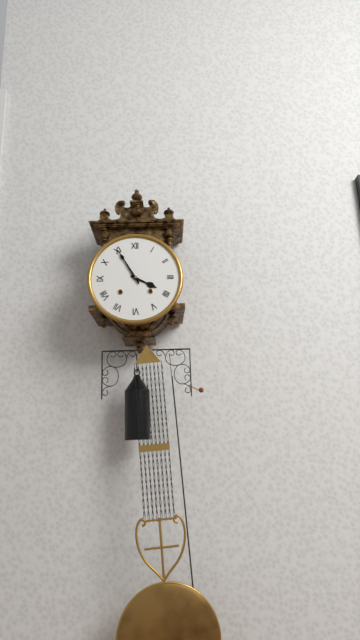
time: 3:55
